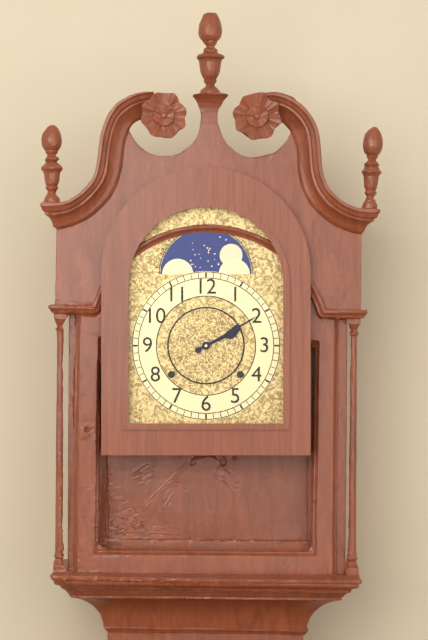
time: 2:10
